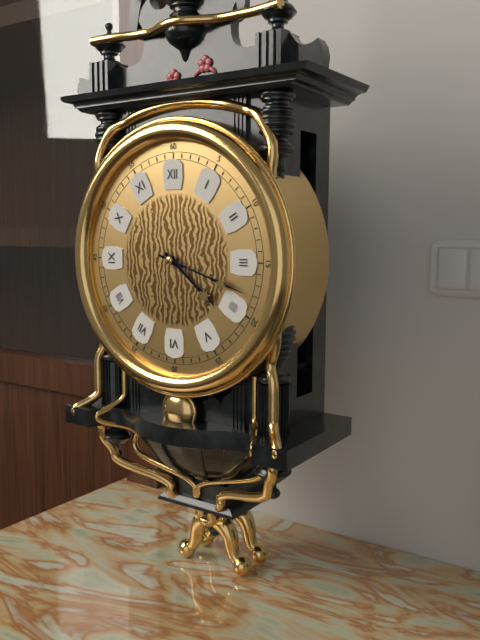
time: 4:18
